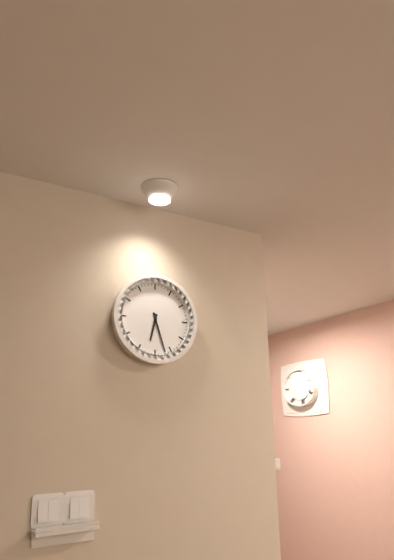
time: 6:27
